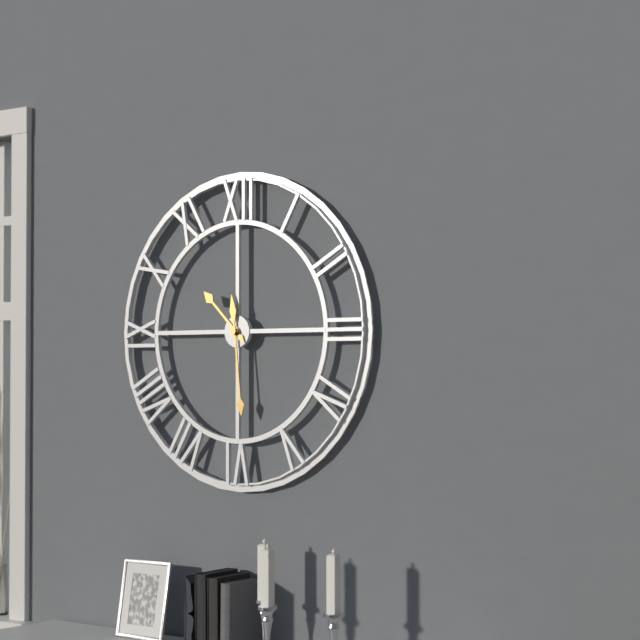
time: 10:29
